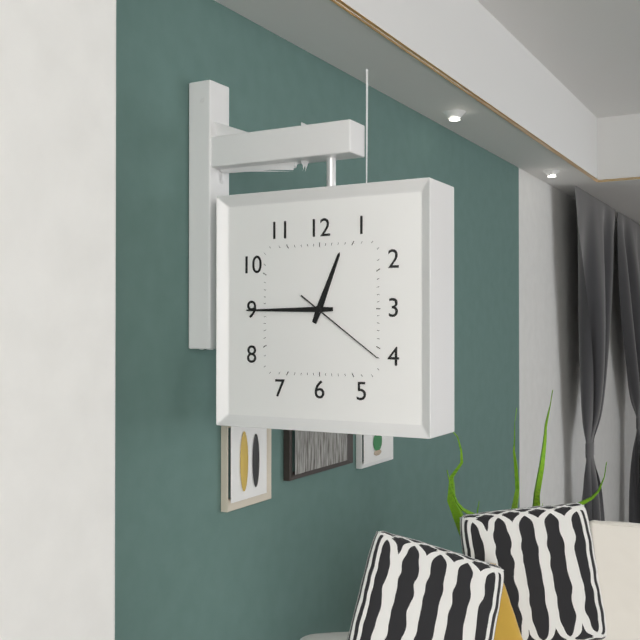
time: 12:45:21
